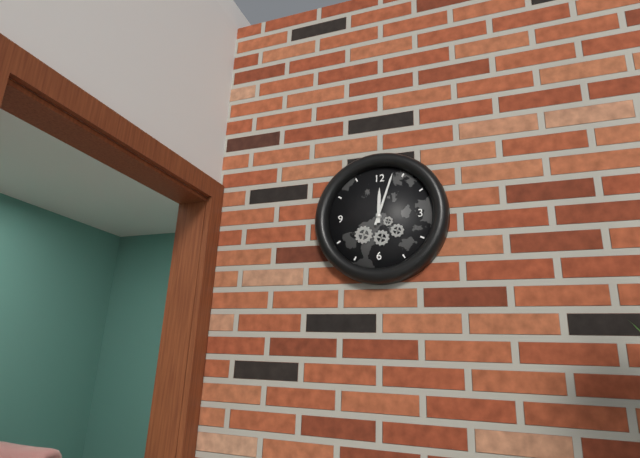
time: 12:03
